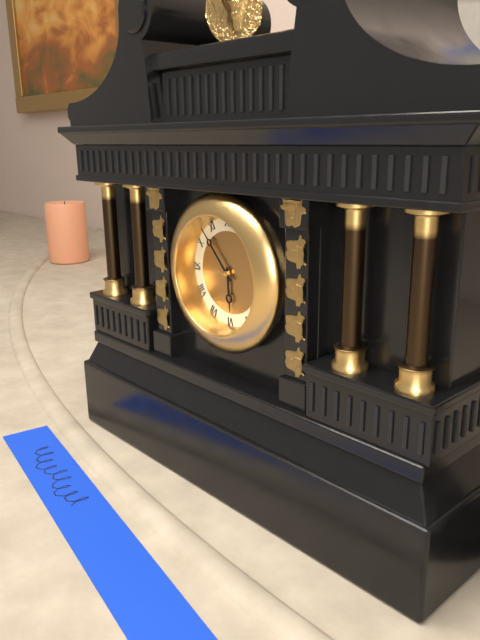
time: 5:53
